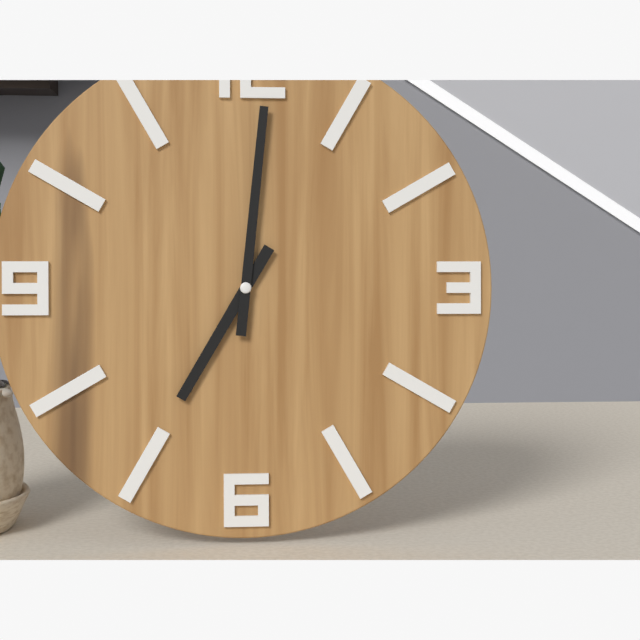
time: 7:01
